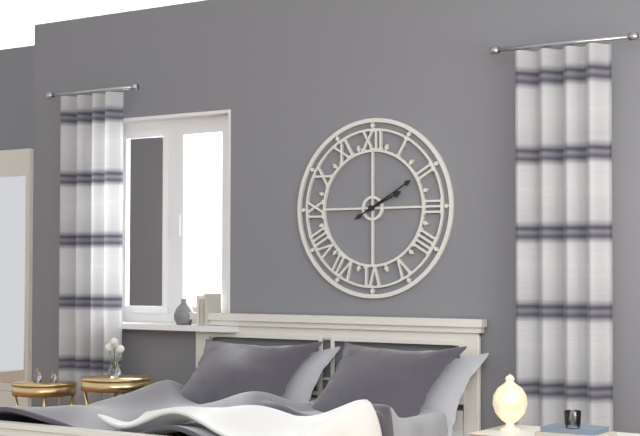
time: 2:10
